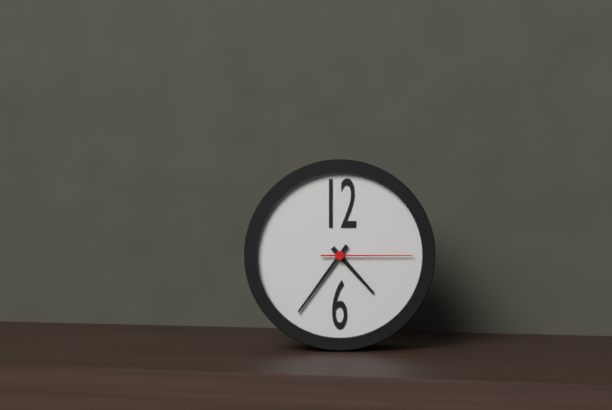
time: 4:36:15
